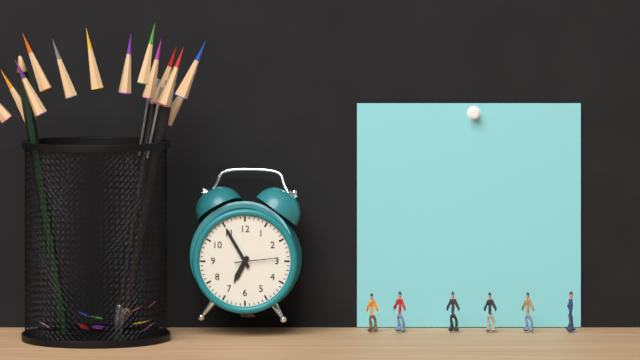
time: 6:55
